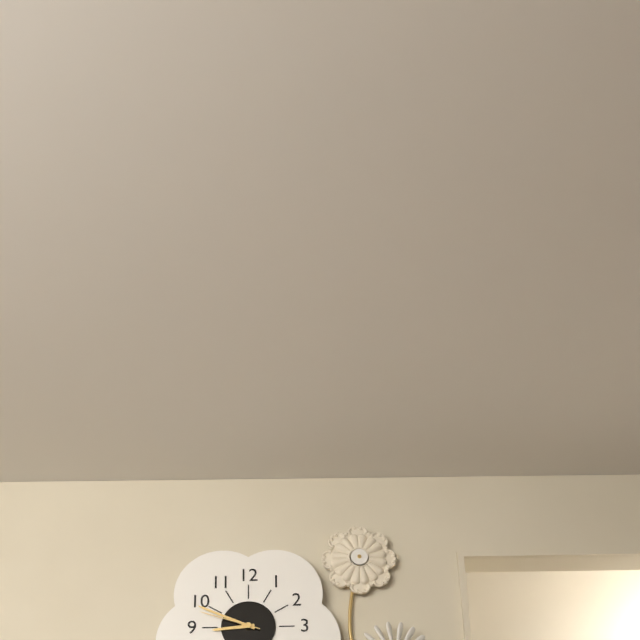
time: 8:49:48
